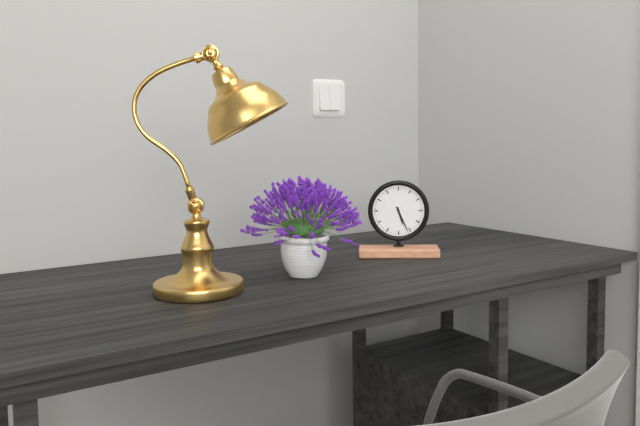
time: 5:26
